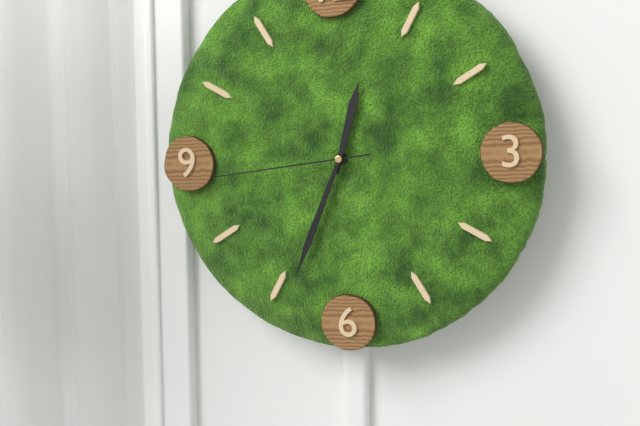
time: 12:34:44
